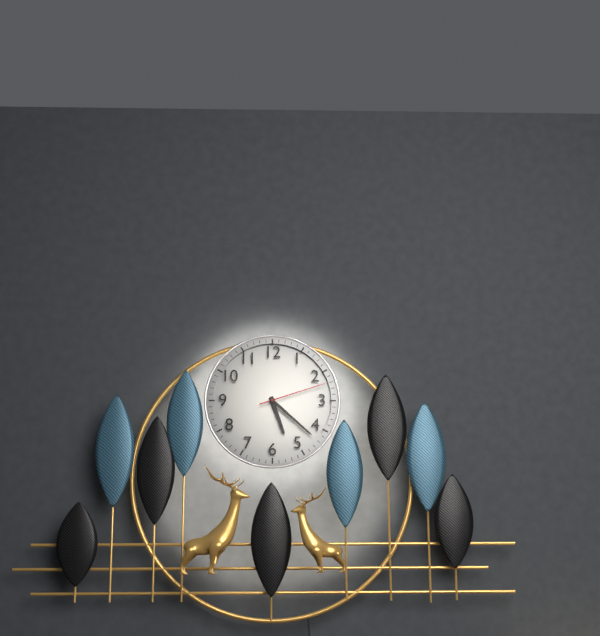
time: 5:22:12
